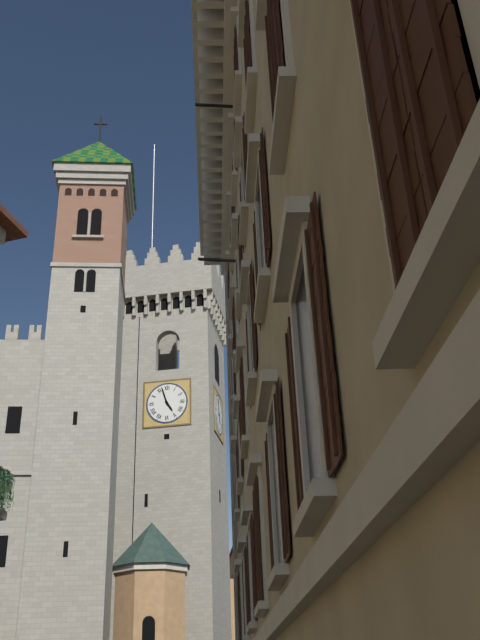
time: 4:57
